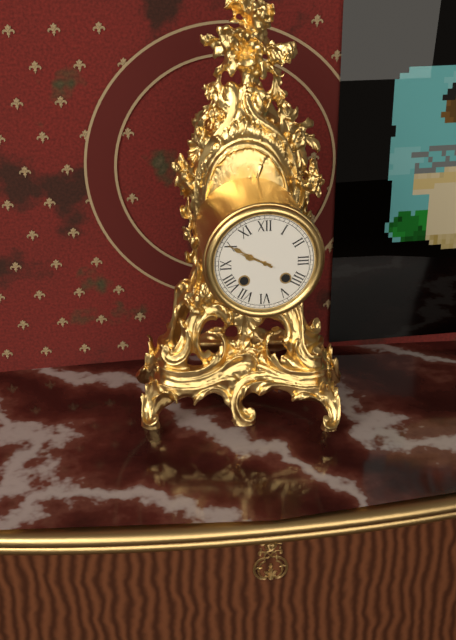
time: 9:50
